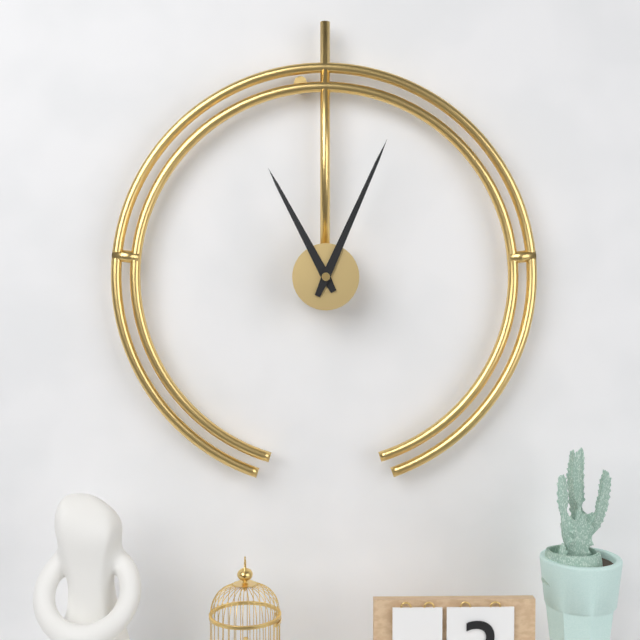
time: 11:04
